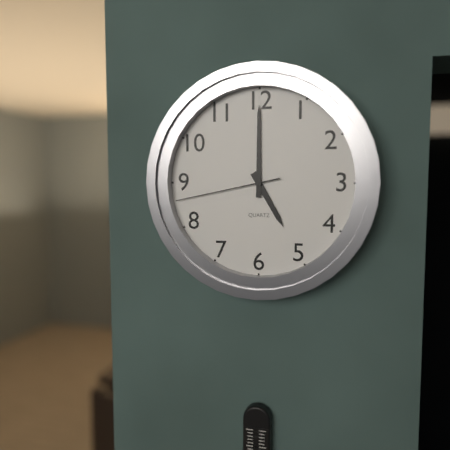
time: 5:00:43
